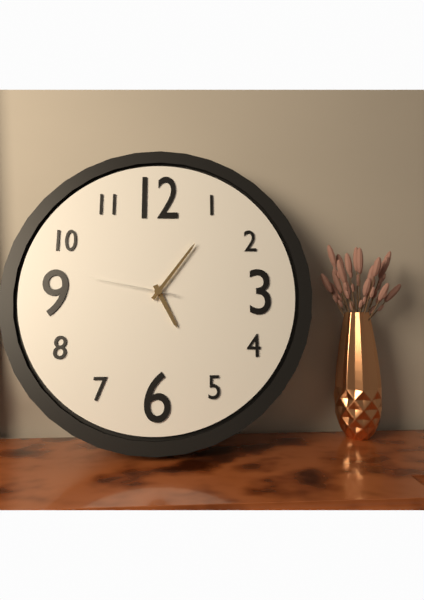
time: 5:06:47
